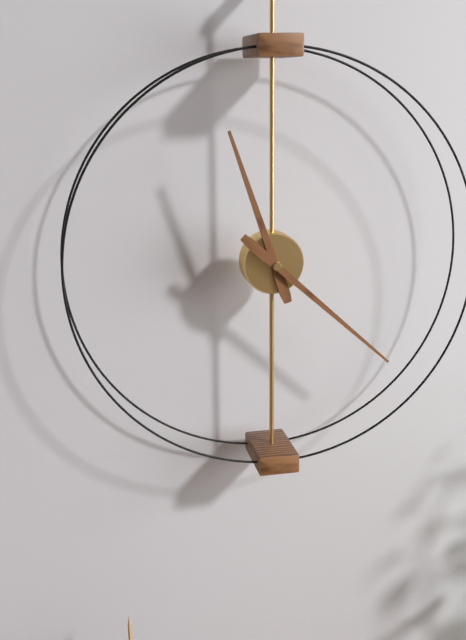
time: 11:22
